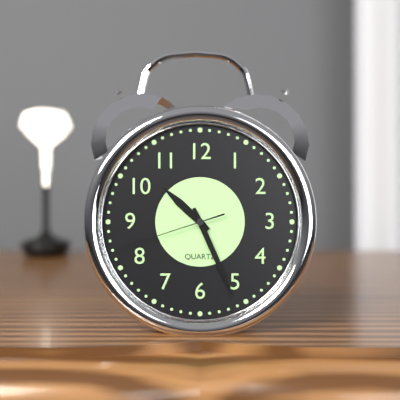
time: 10:26:42
